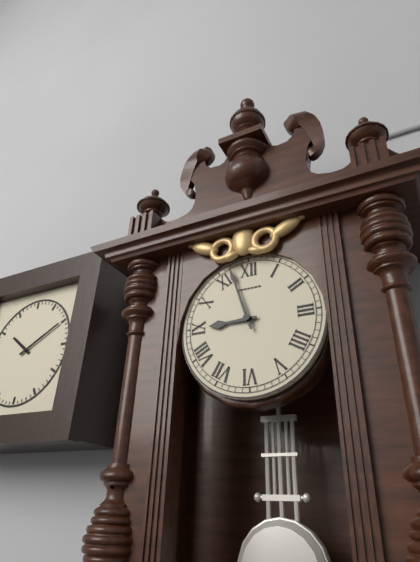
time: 8:57
